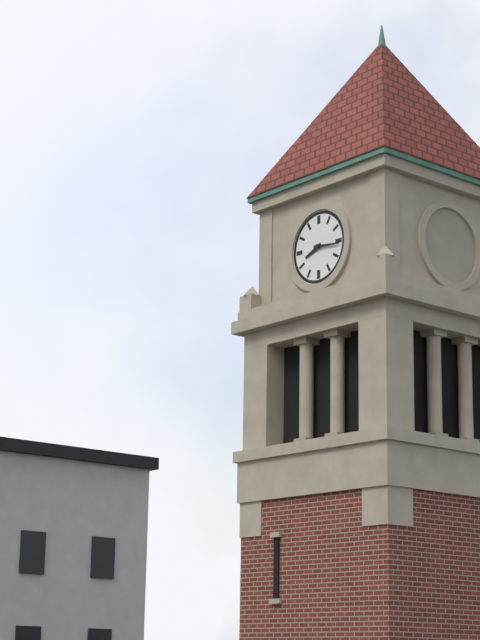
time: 8:16
